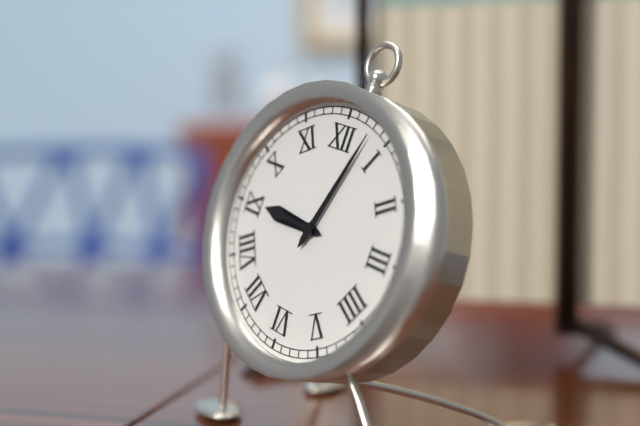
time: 9:03
